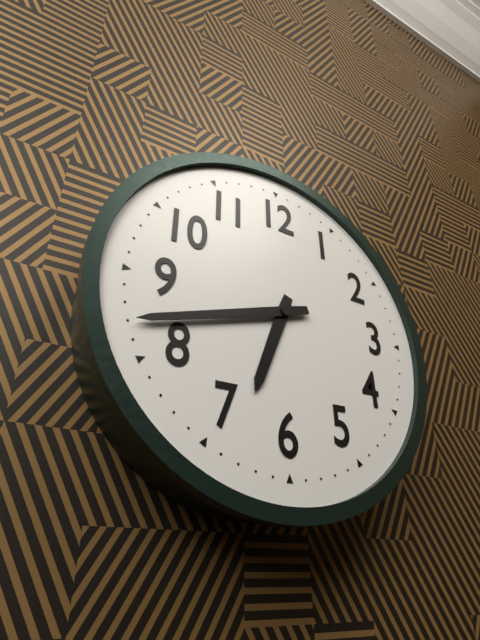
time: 6:42
